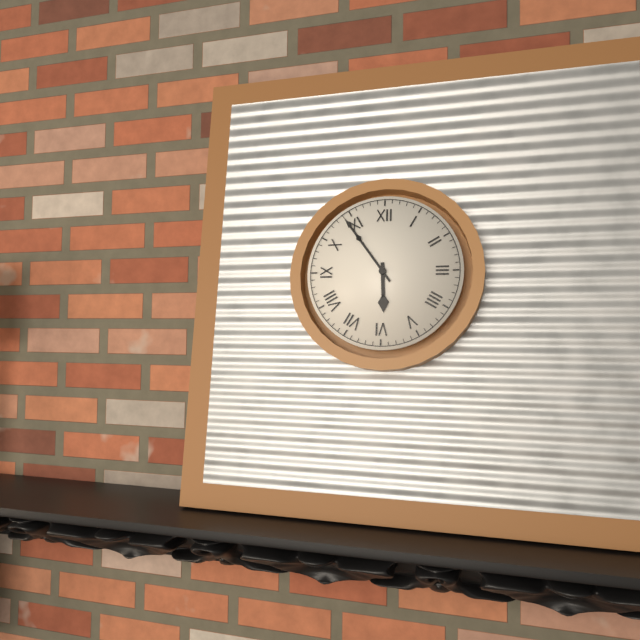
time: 5:54
